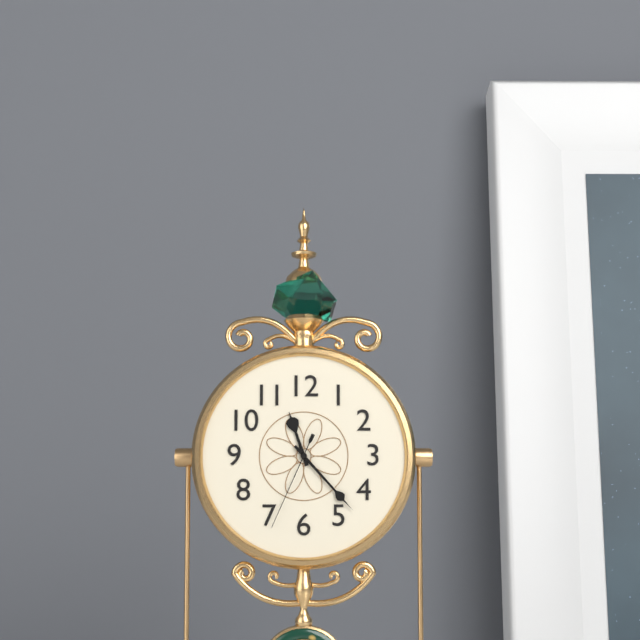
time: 11:23:34
